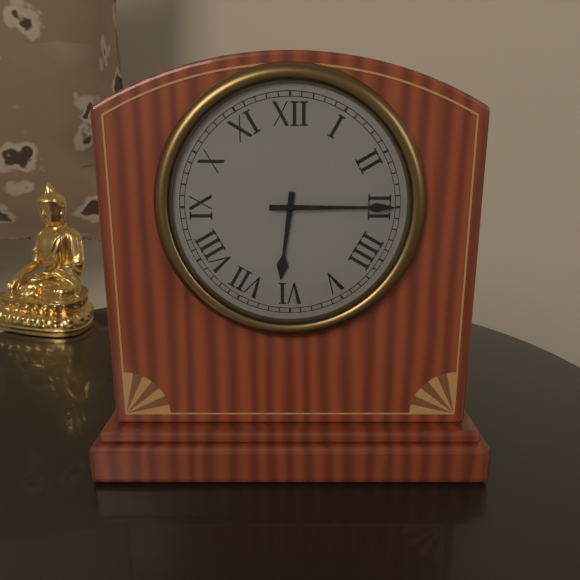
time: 6:15
